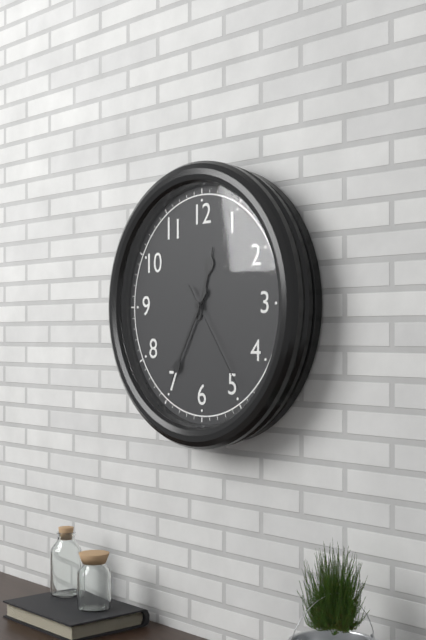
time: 12:35:24
